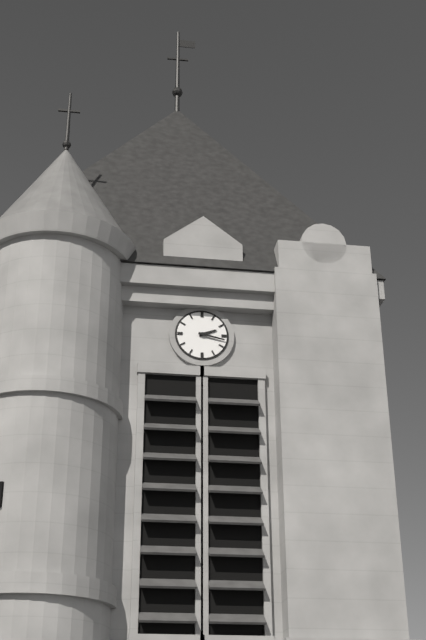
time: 2:17
